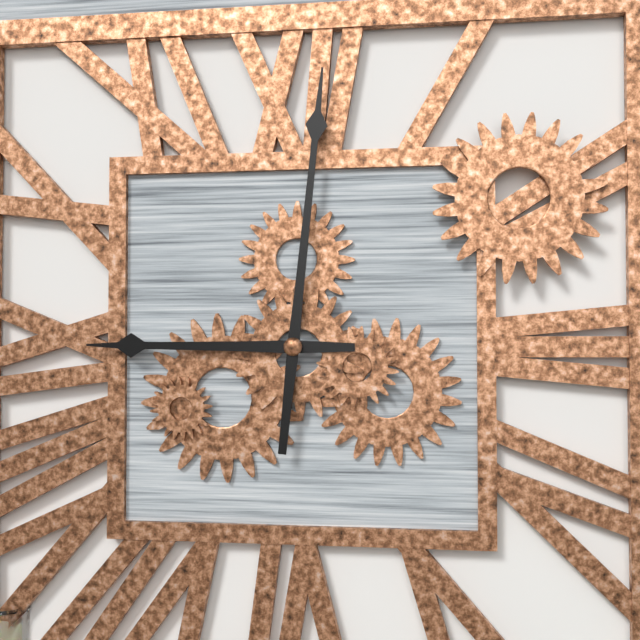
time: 9:01
